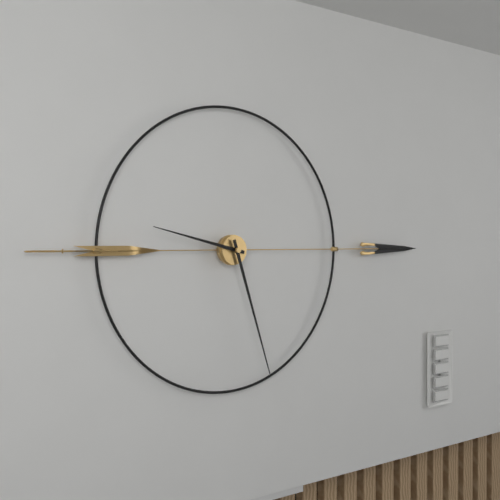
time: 9:27
